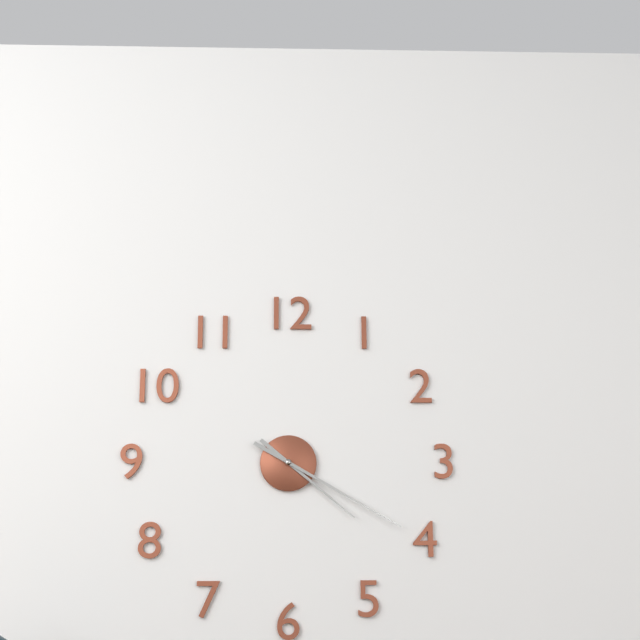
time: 4:20
